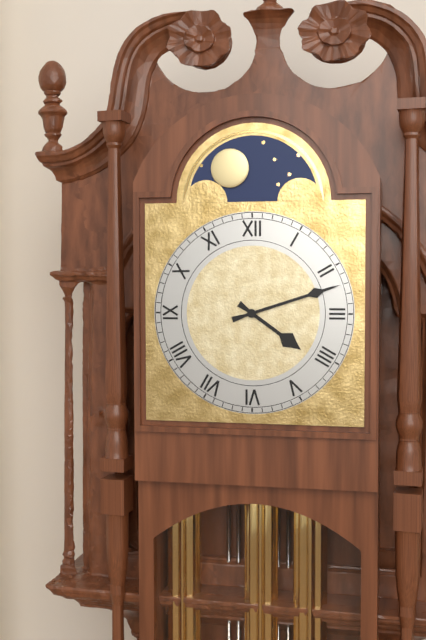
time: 4:12
